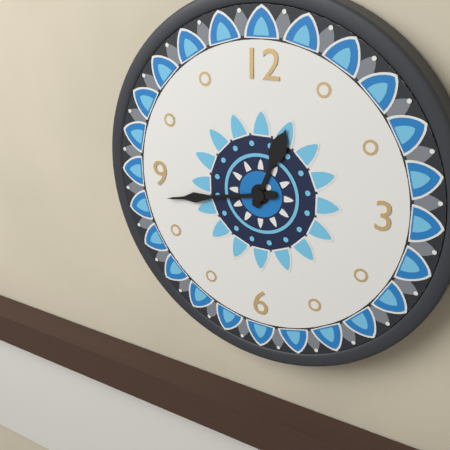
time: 12:43
